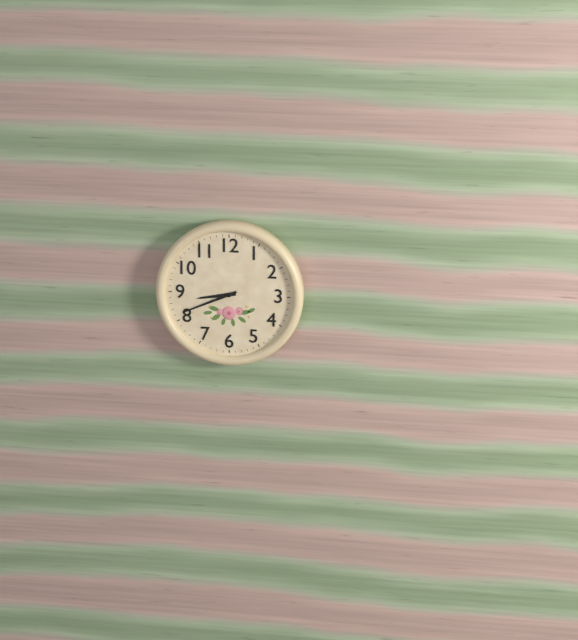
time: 8:41
